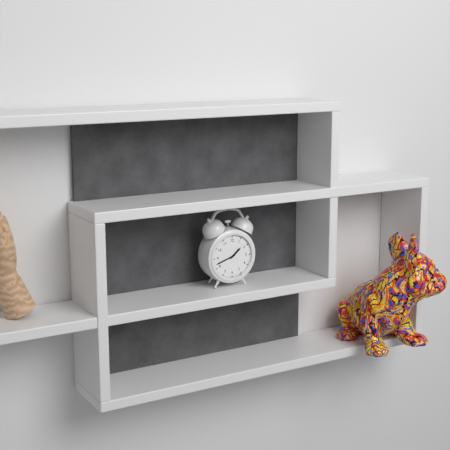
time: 1:42
